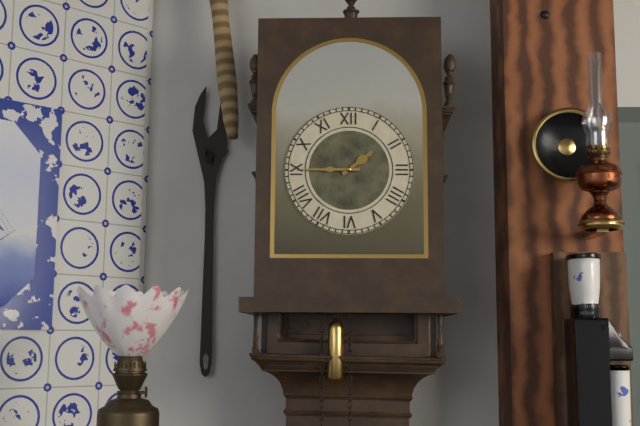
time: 1:45
